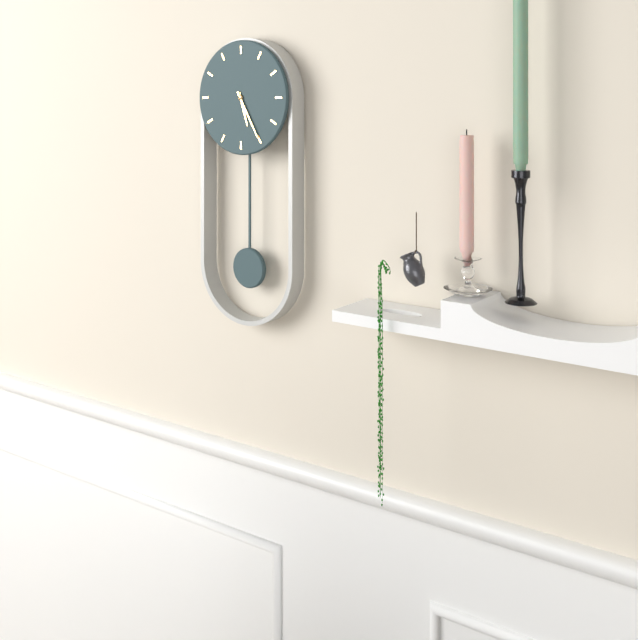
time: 5:25
